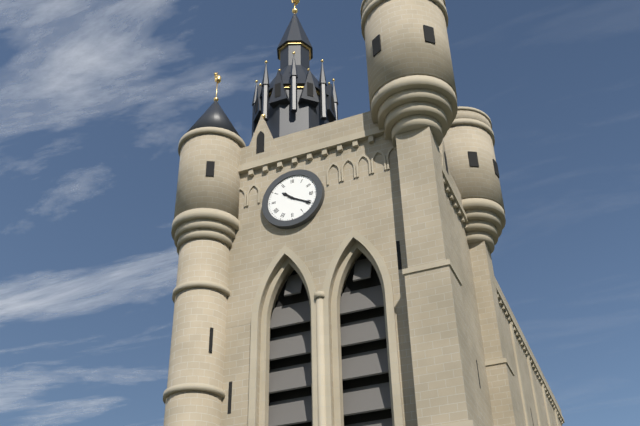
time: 10:20
